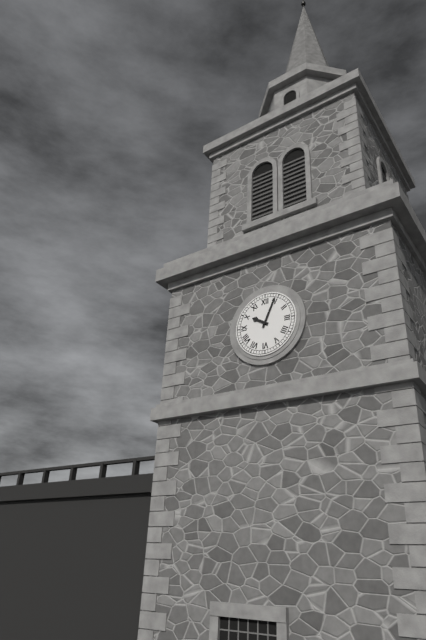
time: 10:04
